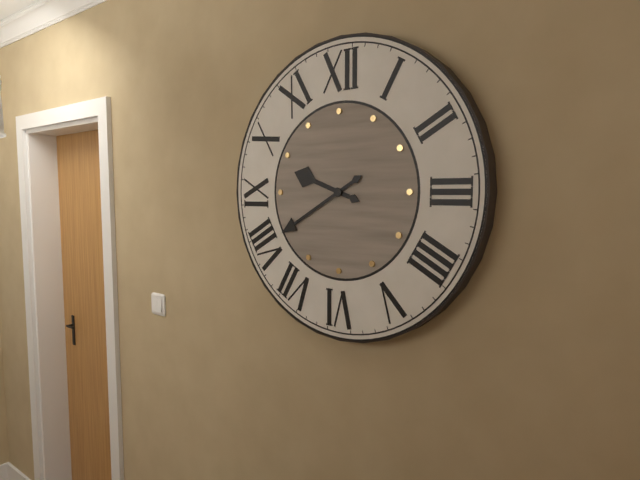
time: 9:40
